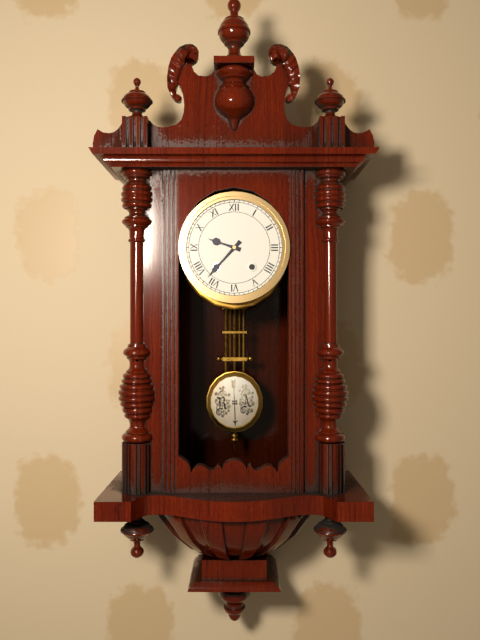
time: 9:37
